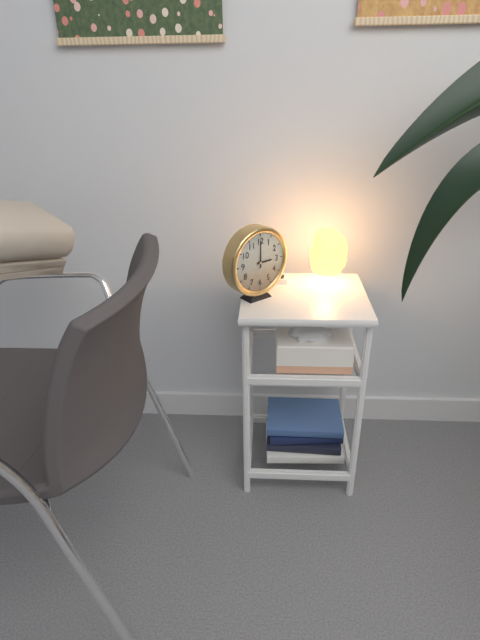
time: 3:00
